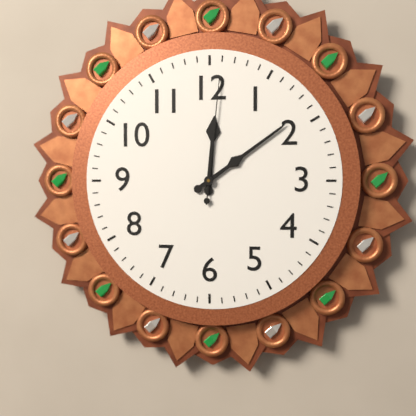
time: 12:09:01
